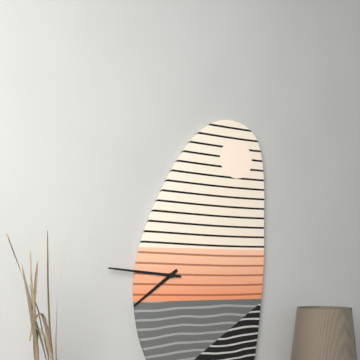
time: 7:46
